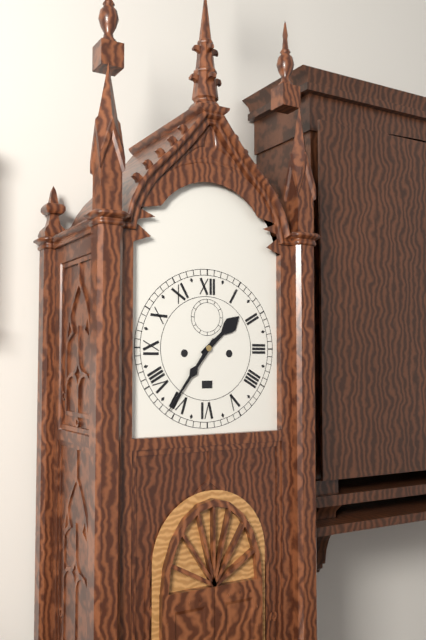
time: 1:36
